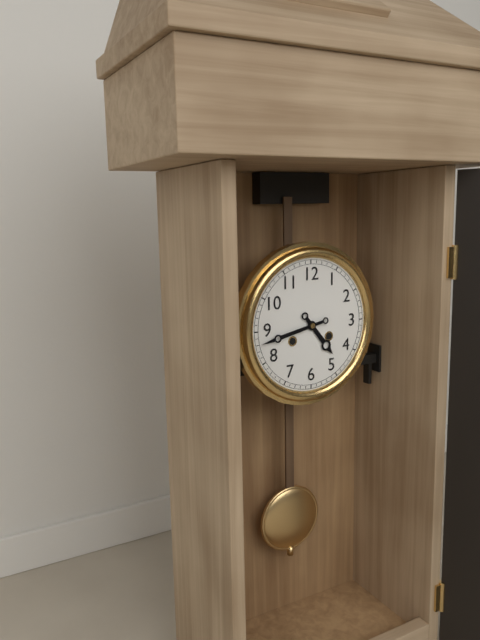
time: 4:43
